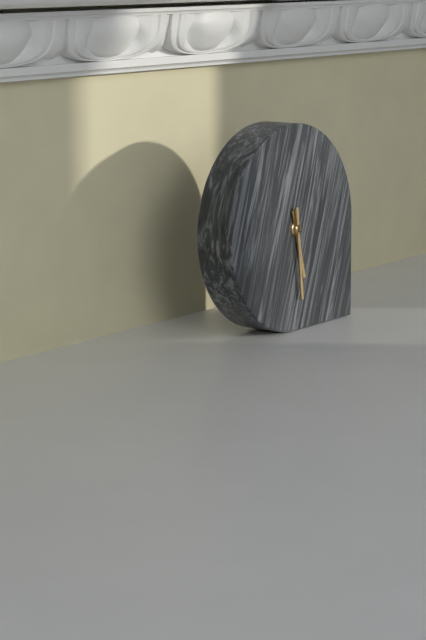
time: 5:29
